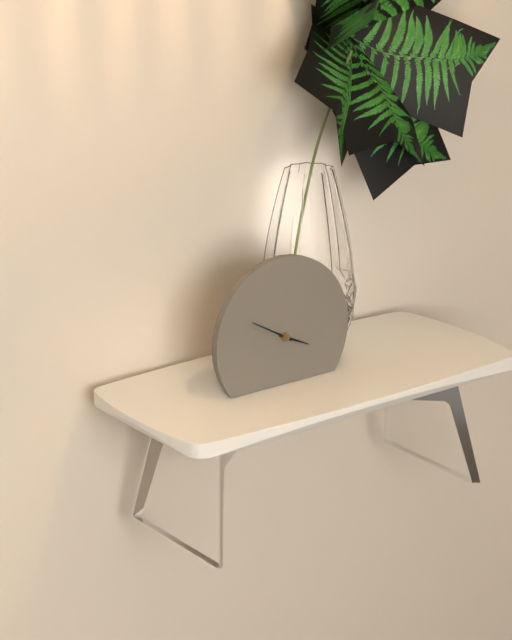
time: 3:50
